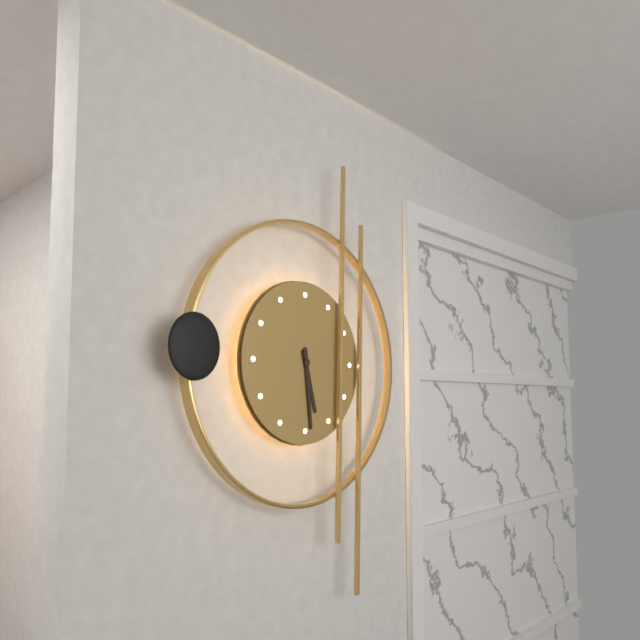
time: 5:29
